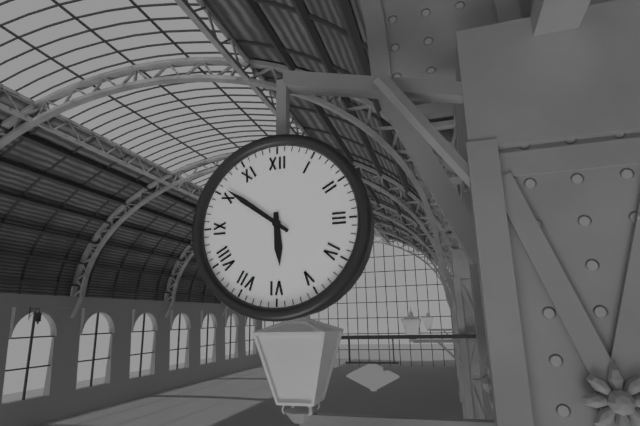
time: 5:51
